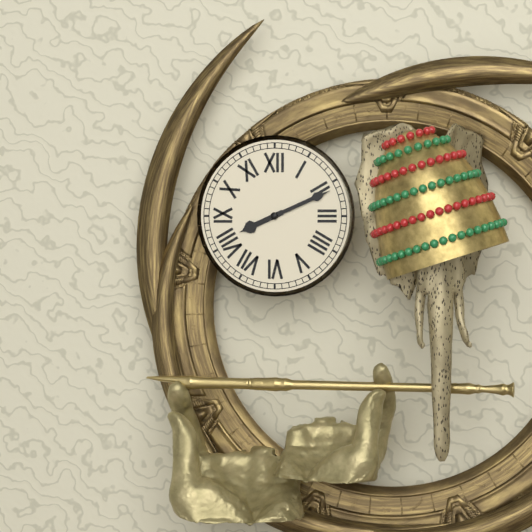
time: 8:11
